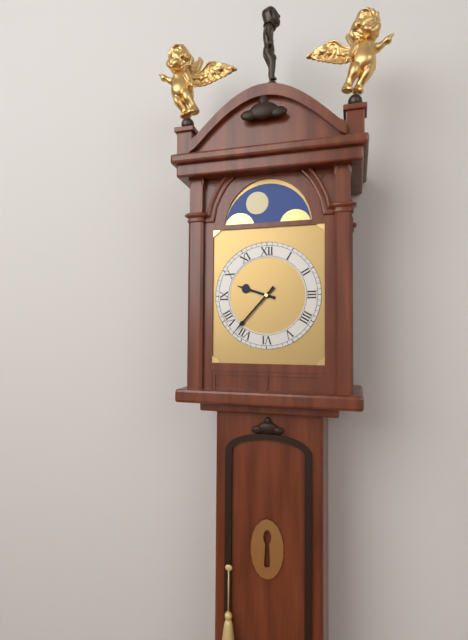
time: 9:37
